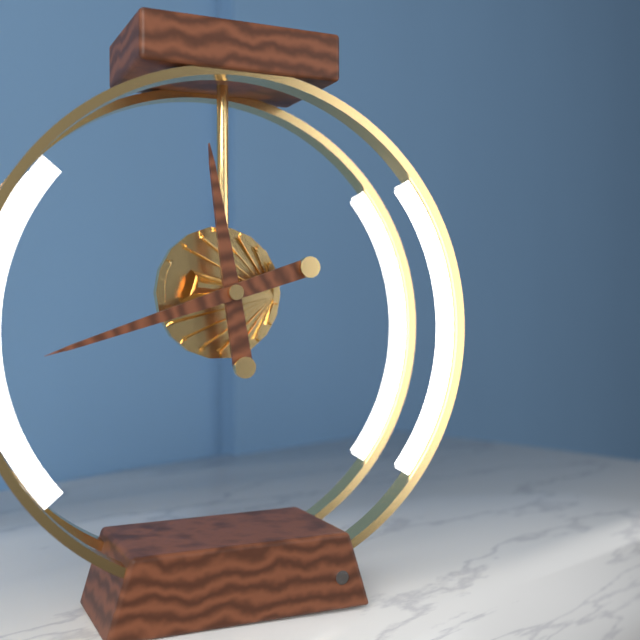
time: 11:42
